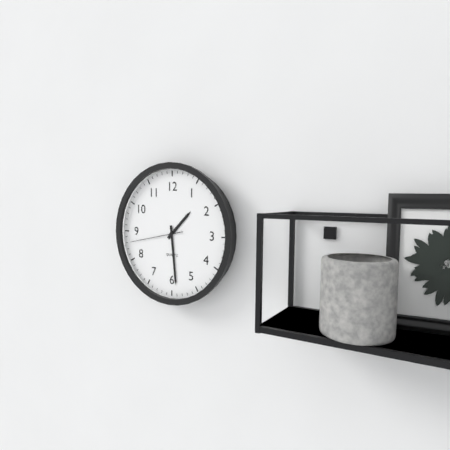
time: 1:29:43
